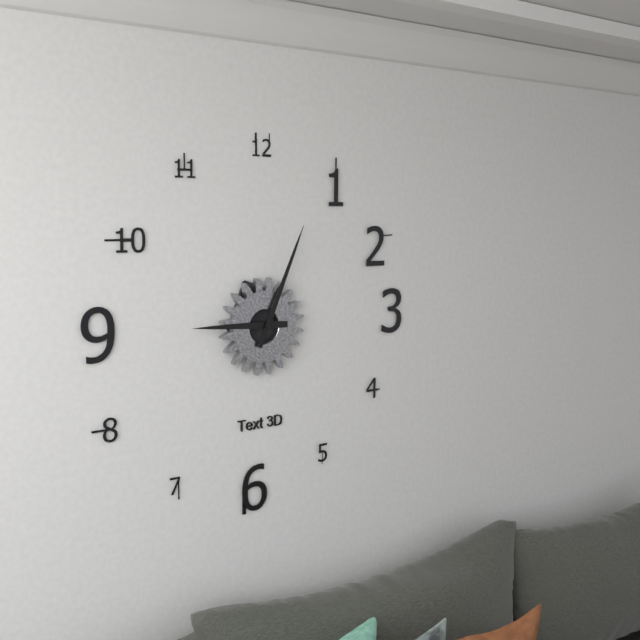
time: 9:04
